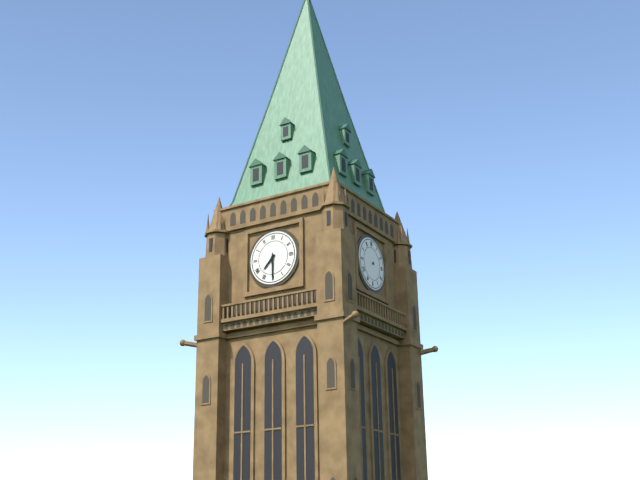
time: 7:30
